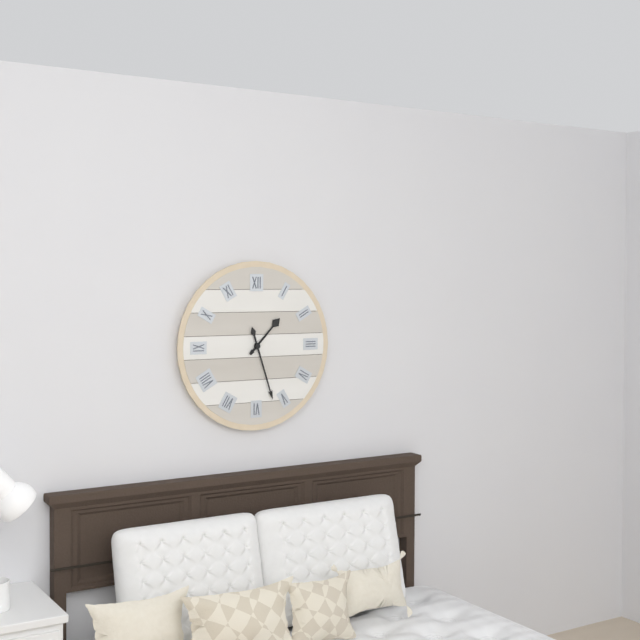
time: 1:27
